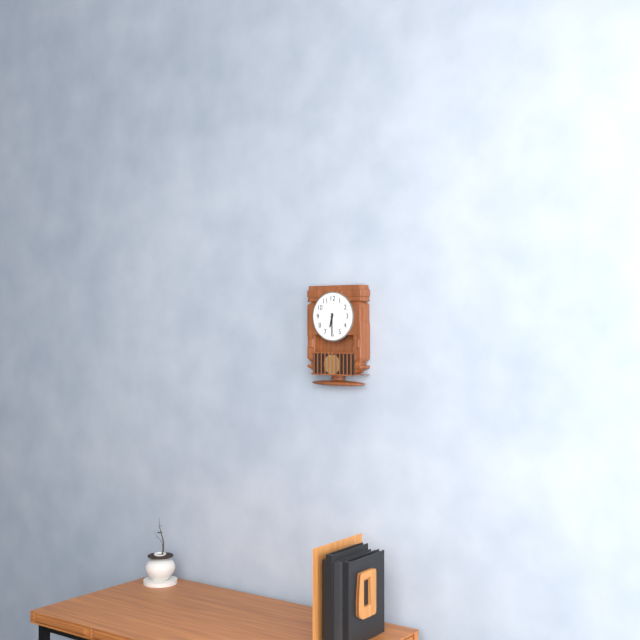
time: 6:30
